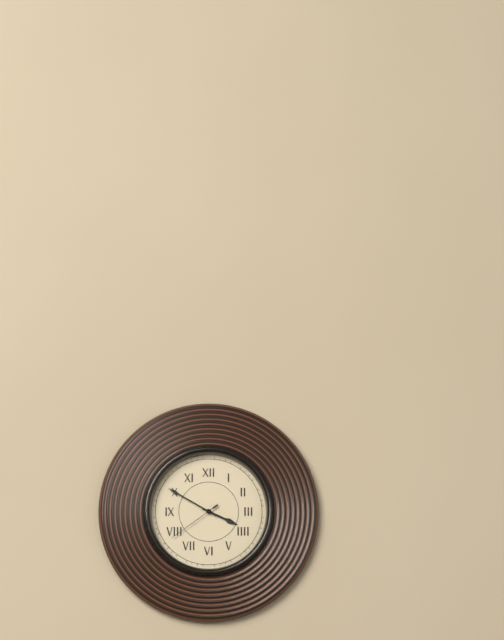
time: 3:50:39
